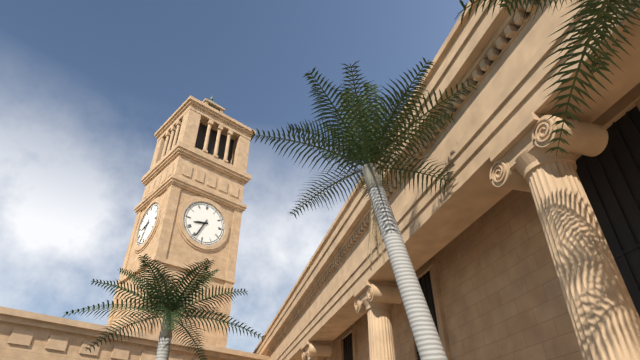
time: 8:34
